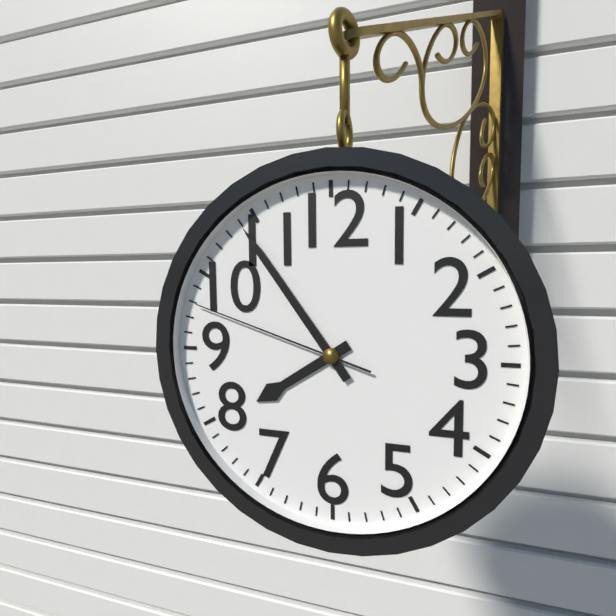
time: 7:54:48
